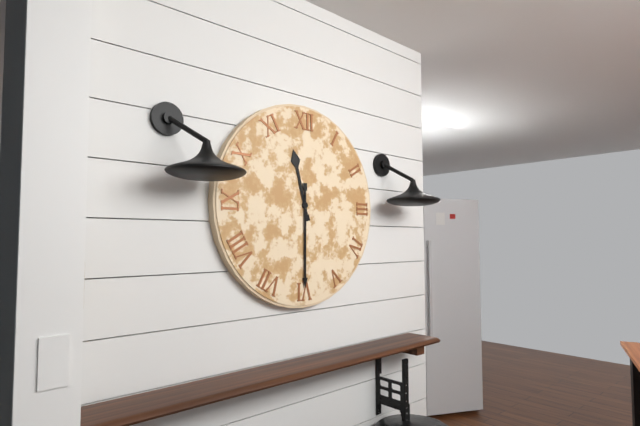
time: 11:30
